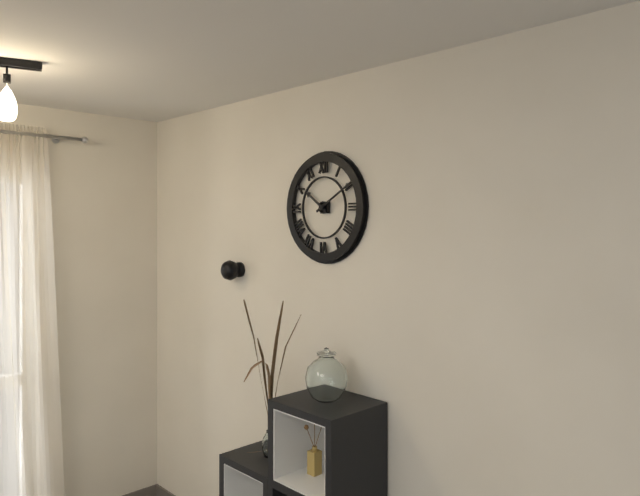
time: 10:10
